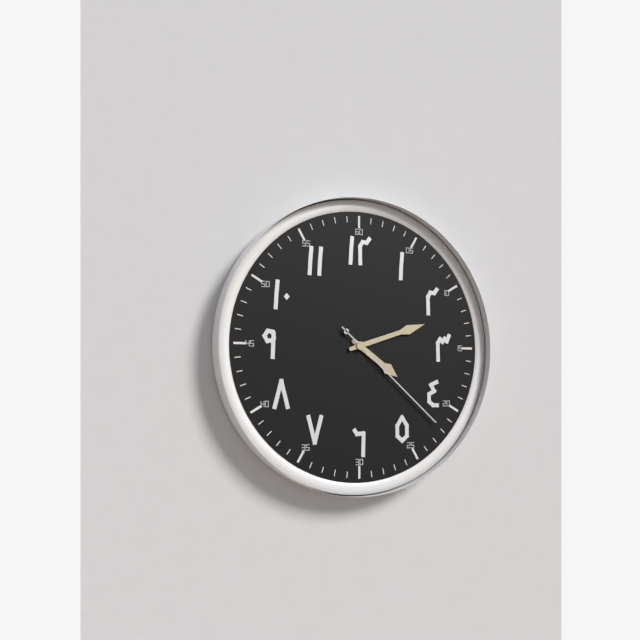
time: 4:12:22
